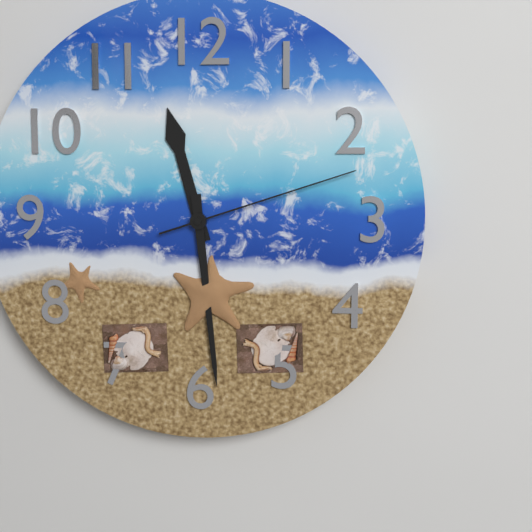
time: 11:29:12
